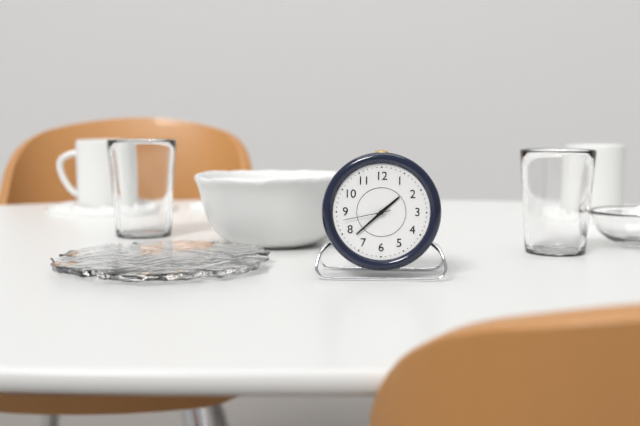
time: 1:38
